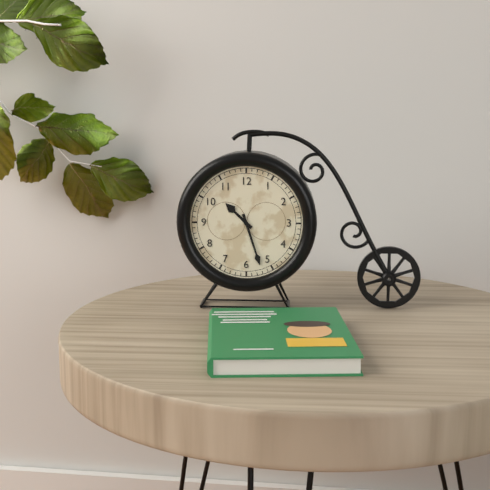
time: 10:27
